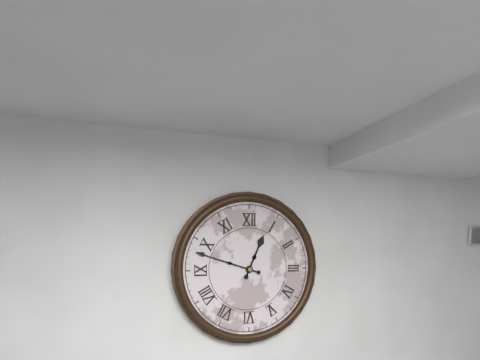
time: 12:48
